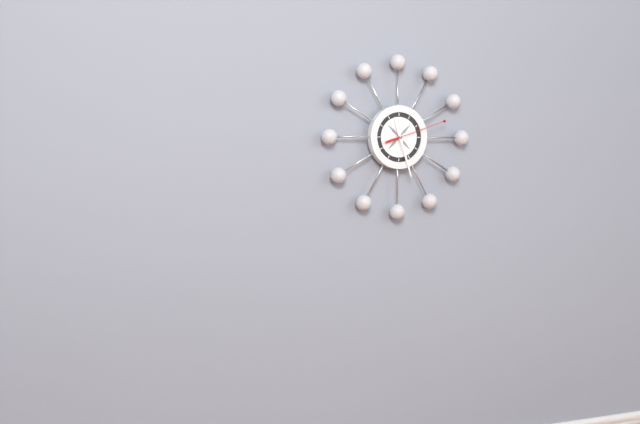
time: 11:27:12
